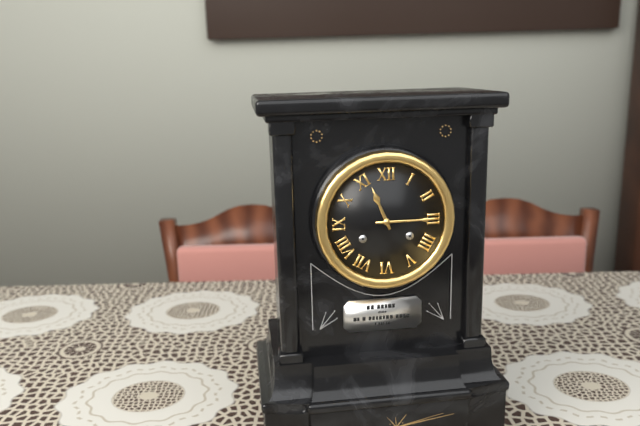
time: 11:15
